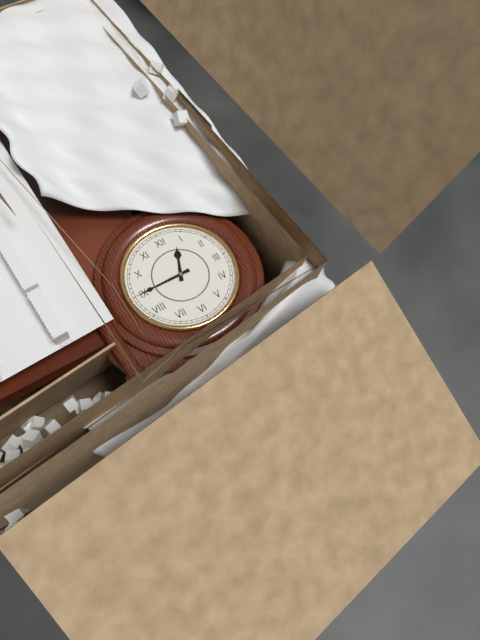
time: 12:45
